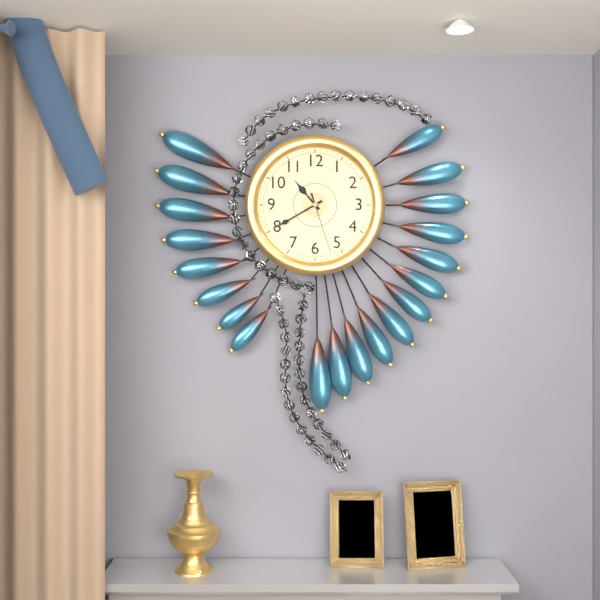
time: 10:40:27
